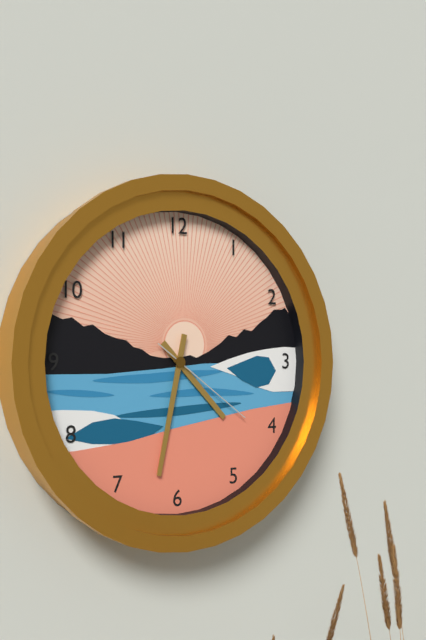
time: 4:32:21
